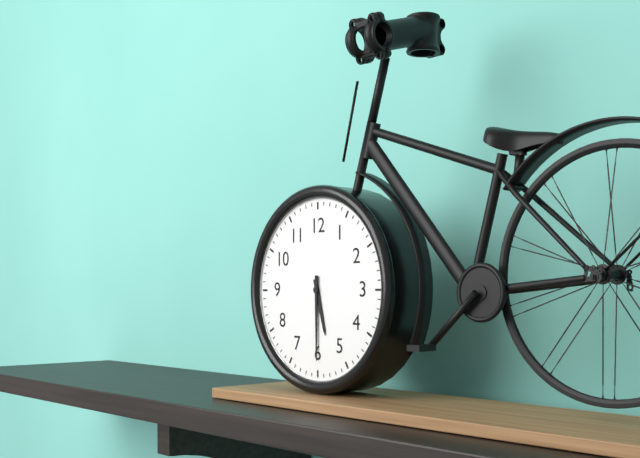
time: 5:30
